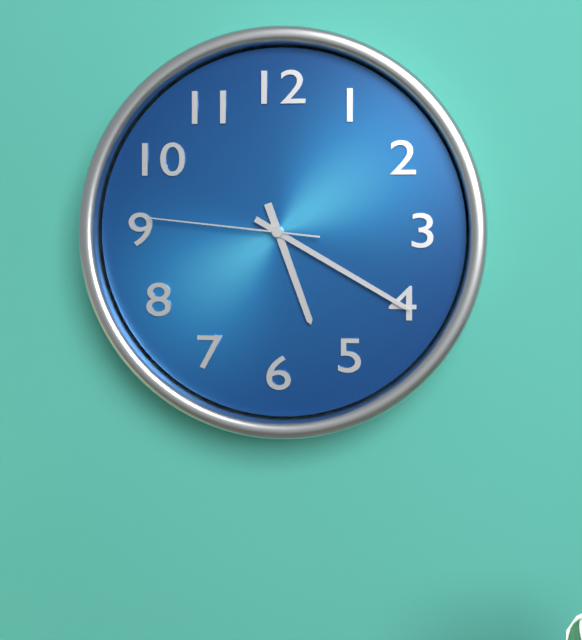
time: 5:20:46
